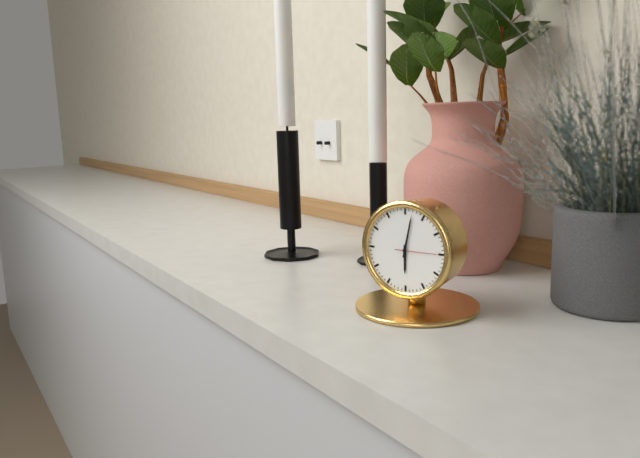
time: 6:02
